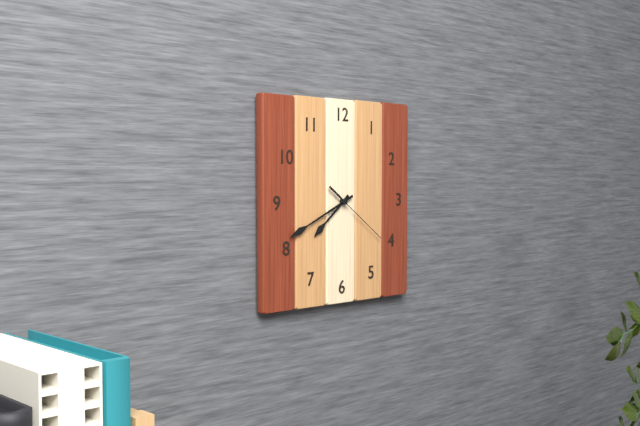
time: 7:41:21
